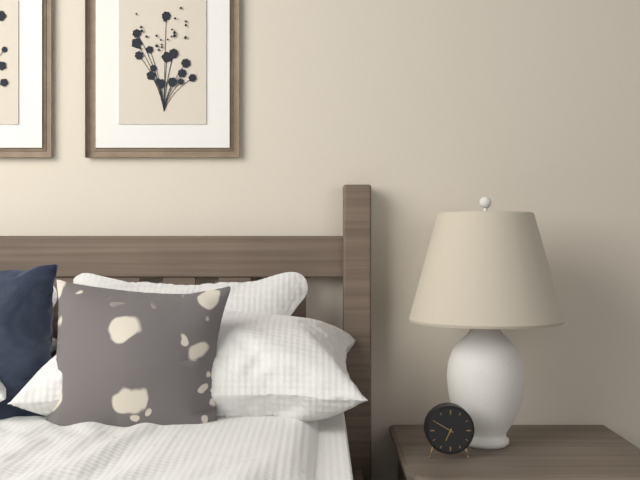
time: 6:50
